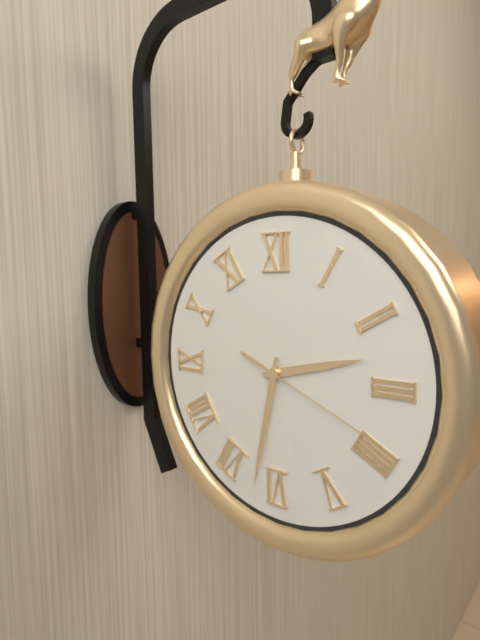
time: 2:32:19
